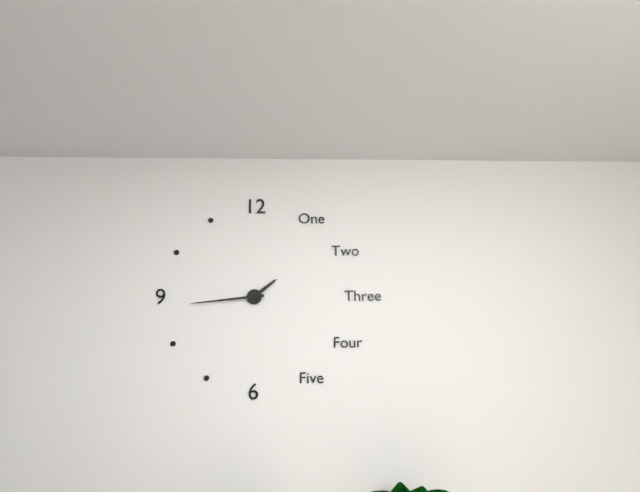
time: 1:44
